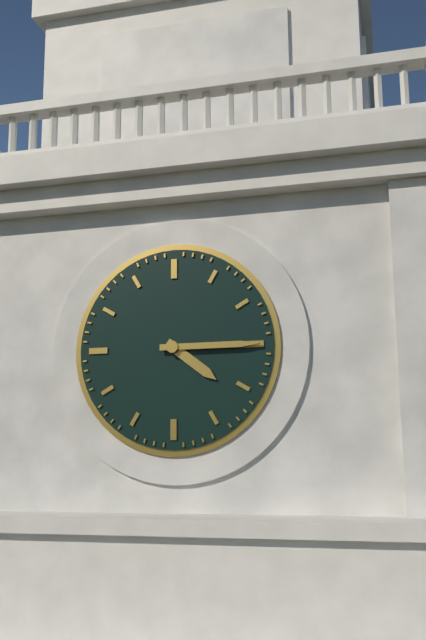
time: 4:15
